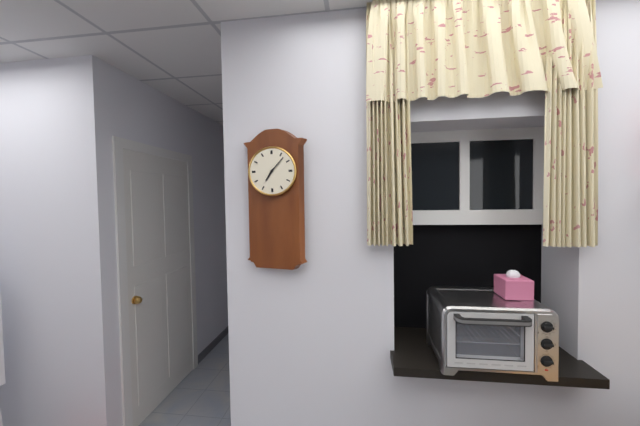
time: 7:07
